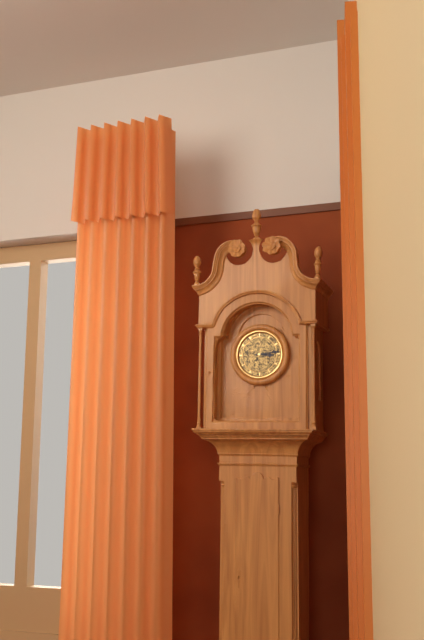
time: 3:14
